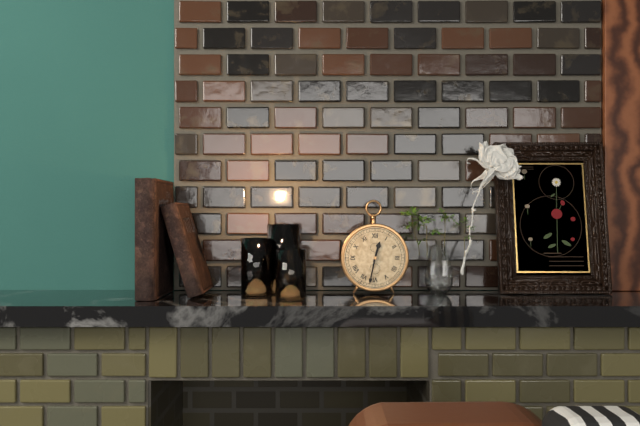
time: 12:32
